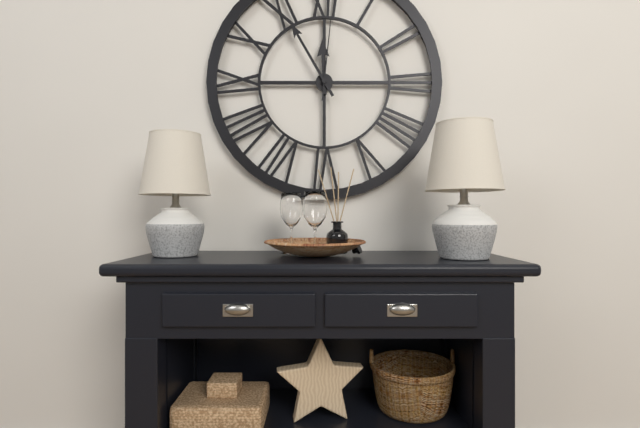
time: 11:55:01
